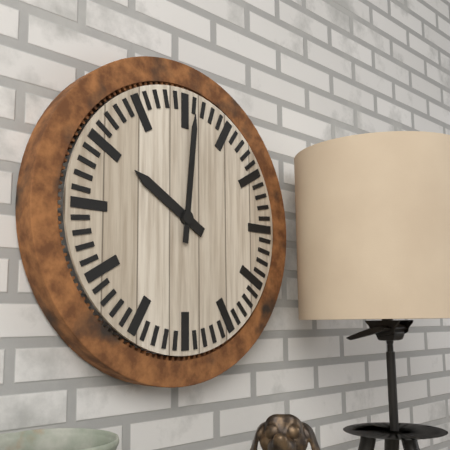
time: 10:01
